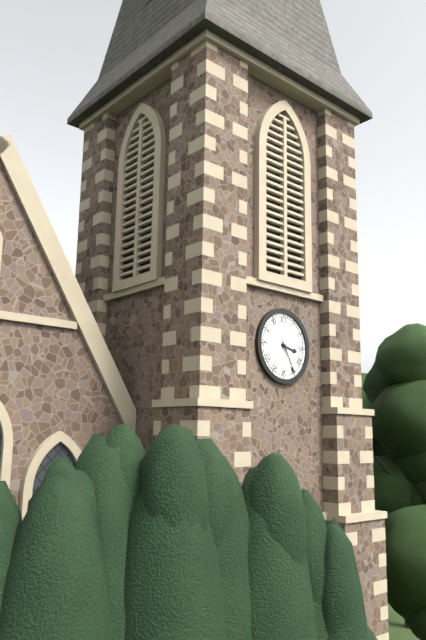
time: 3:25
